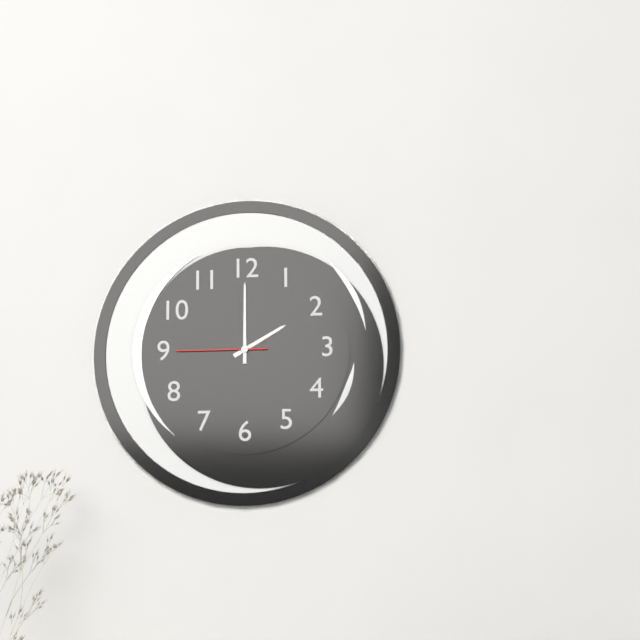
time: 2:00:45
